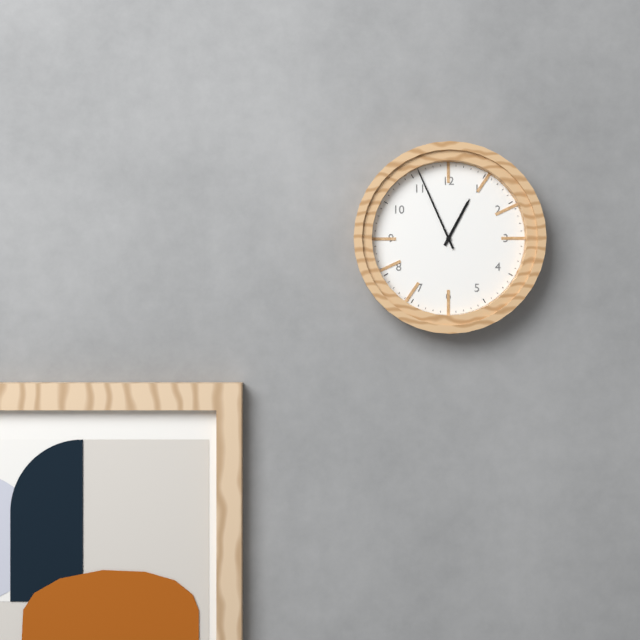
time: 12:56
